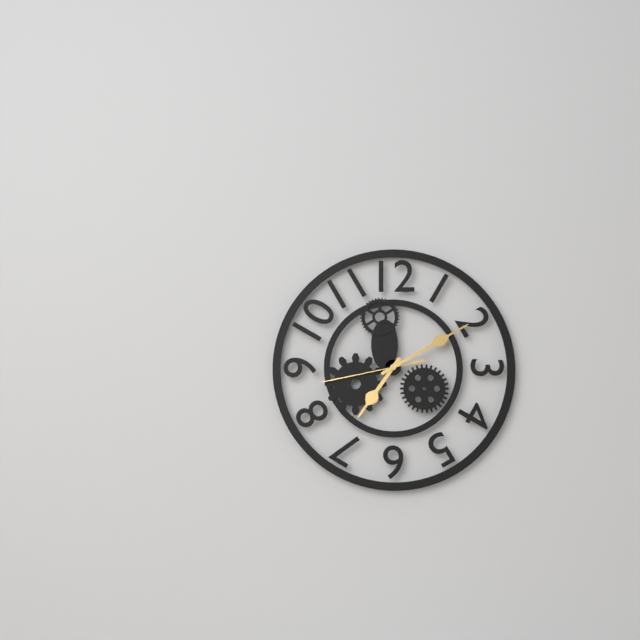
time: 7:10:43
